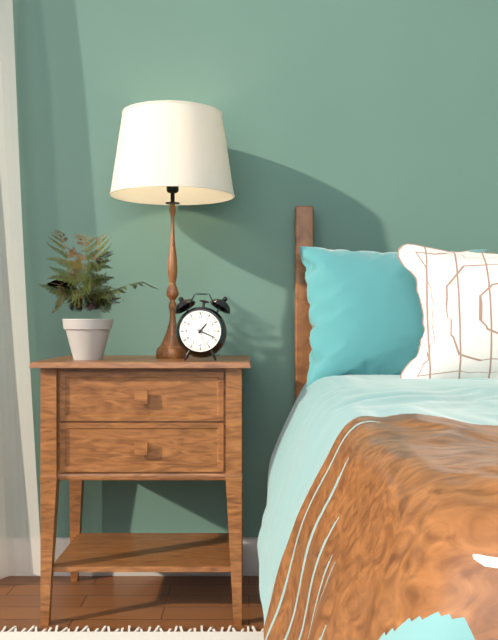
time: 1:19
